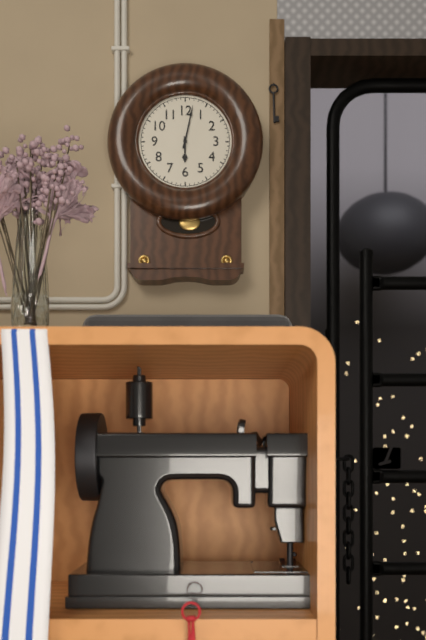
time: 6:02
